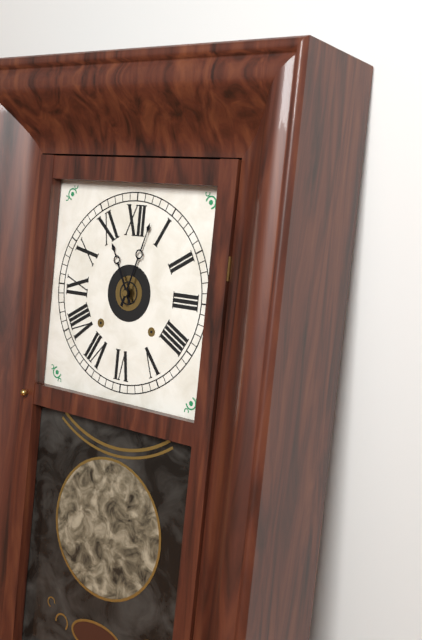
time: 11:03
